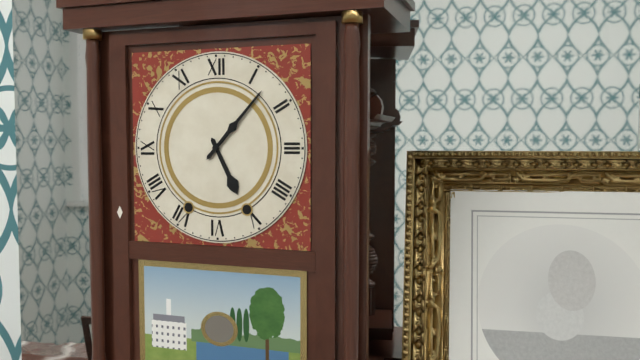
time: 5:07
